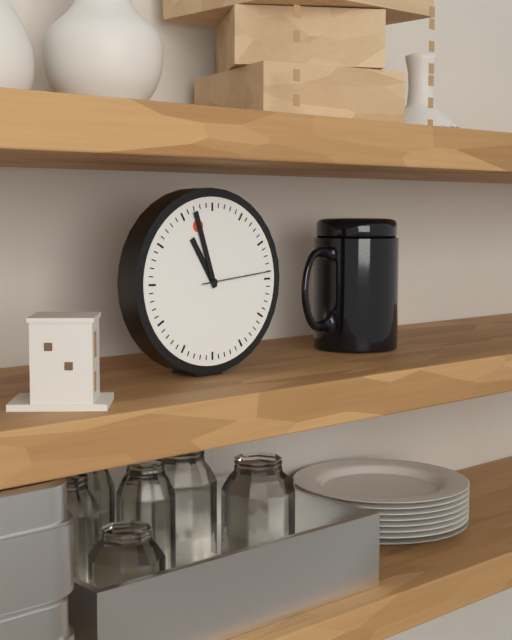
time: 10:57:14
